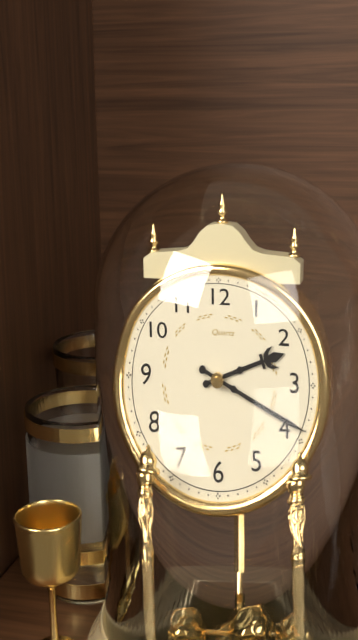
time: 2:19
